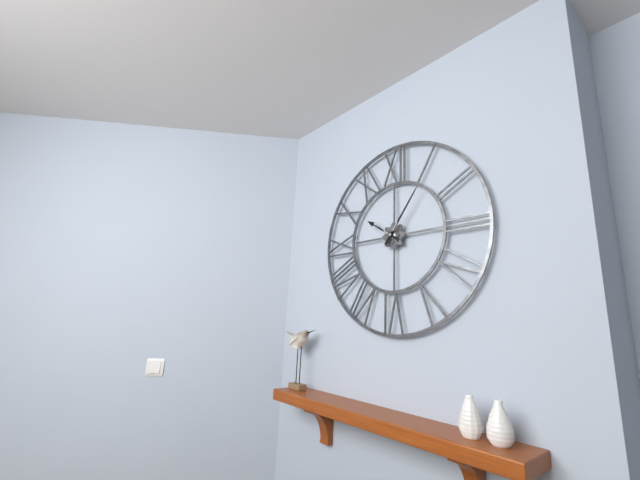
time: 10:06
